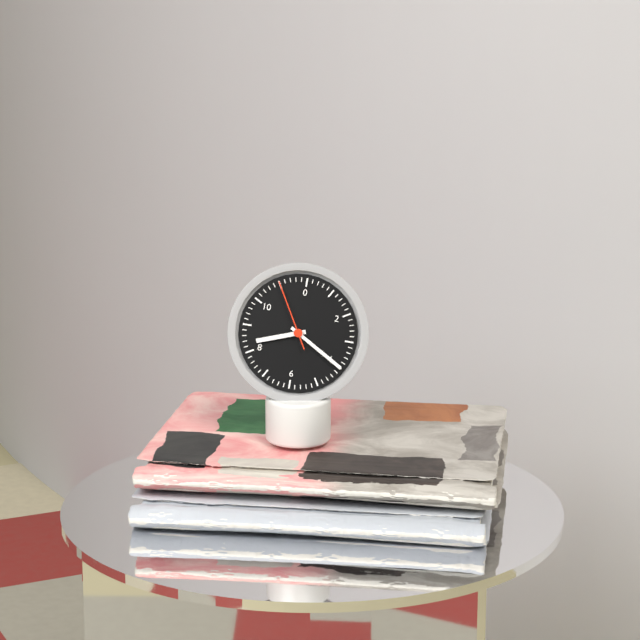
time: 8:20:55
